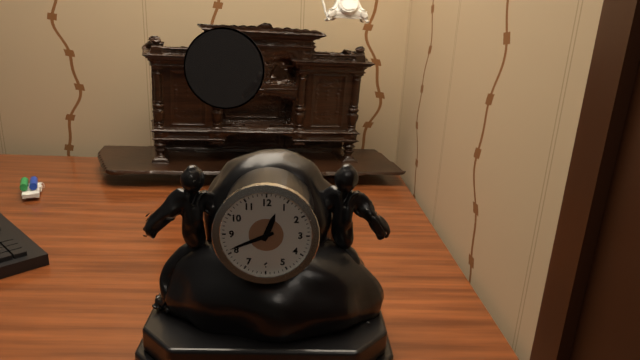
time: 12:41
